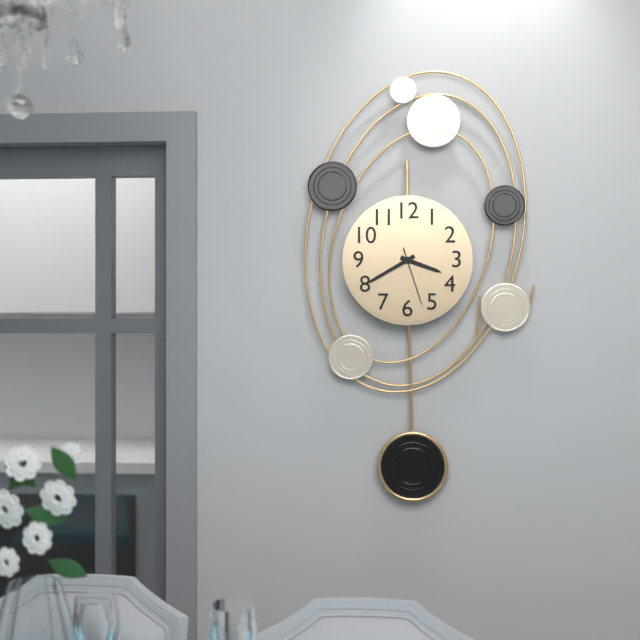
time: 3:40:27
